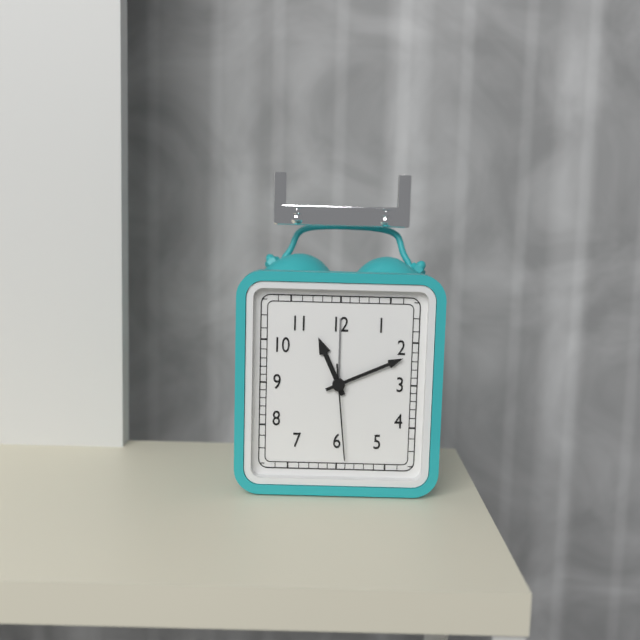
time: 11:11:29
